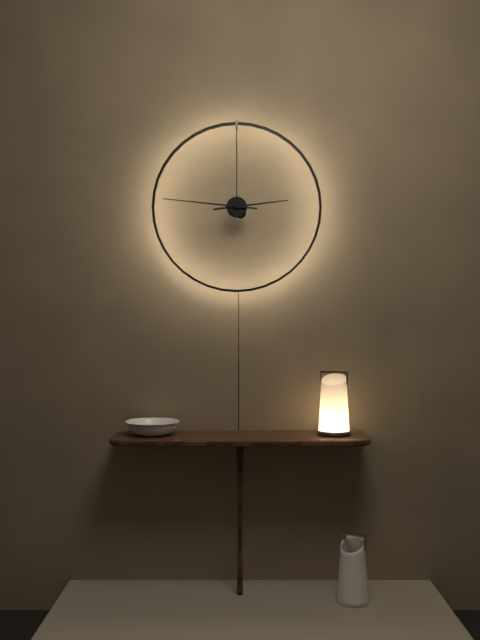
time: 2:46
